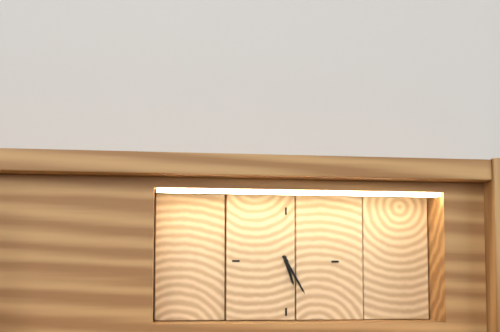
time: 5:25
